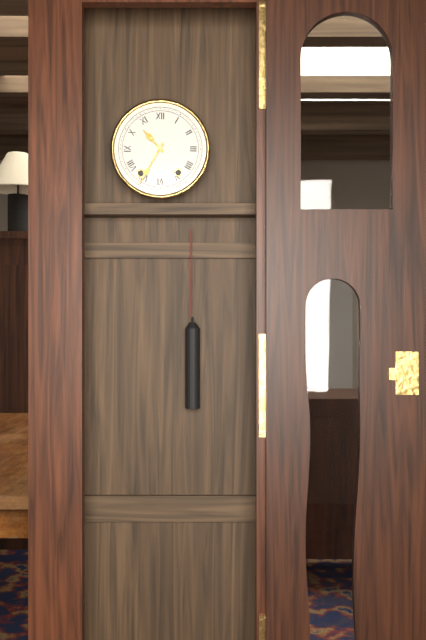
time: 10:35
